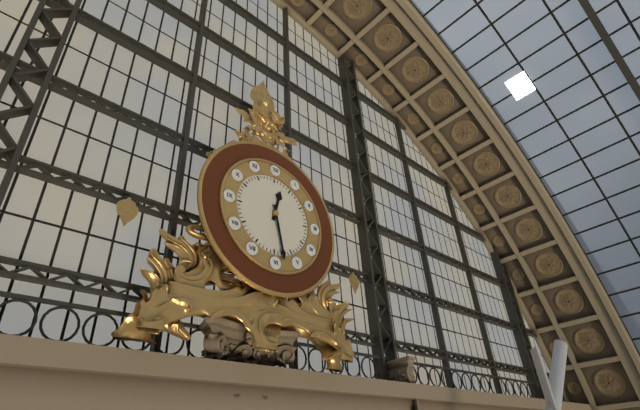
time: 12:28
